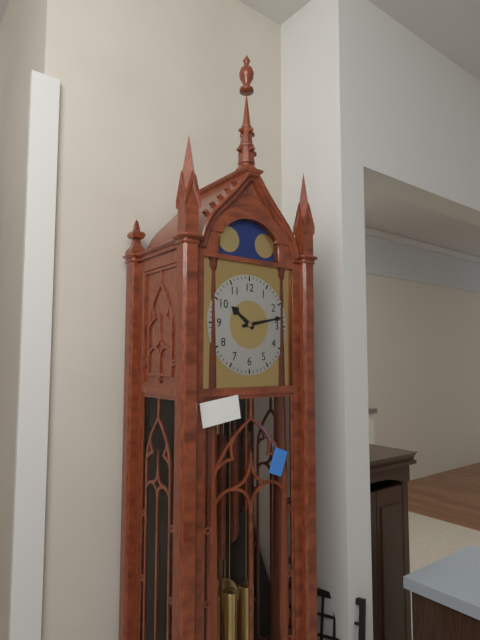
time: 10:13
